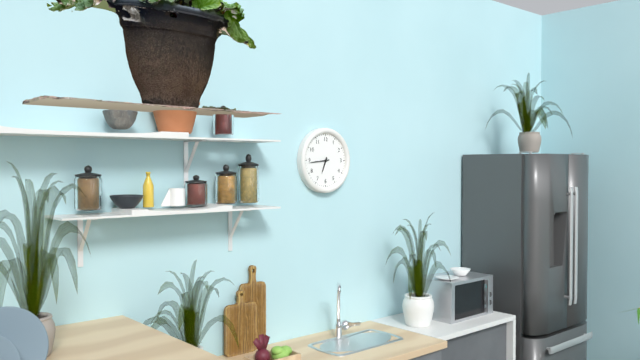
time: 6:44
